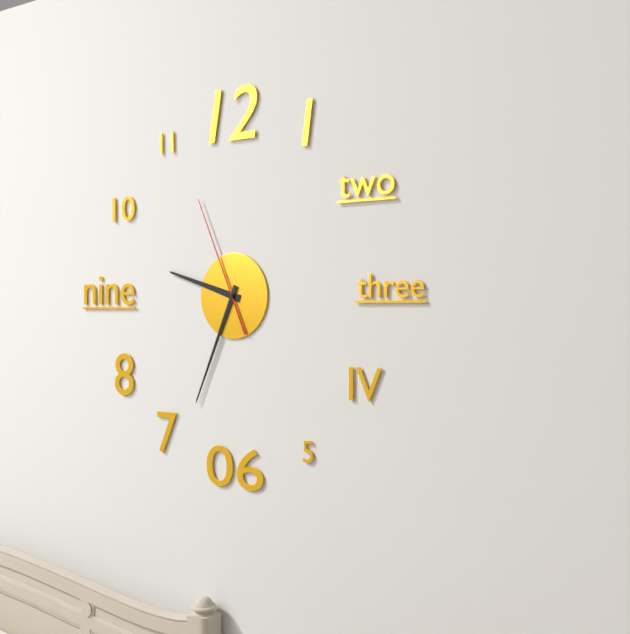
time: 9:34:56
